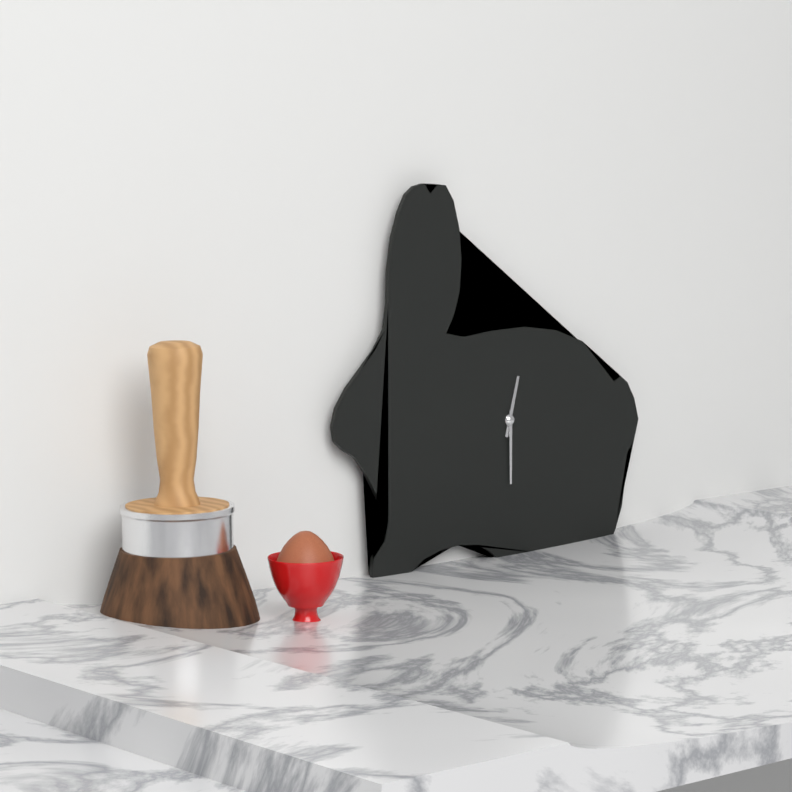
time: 12:30
